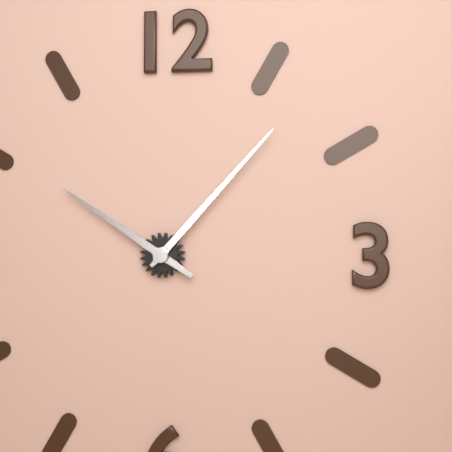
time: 10:07
